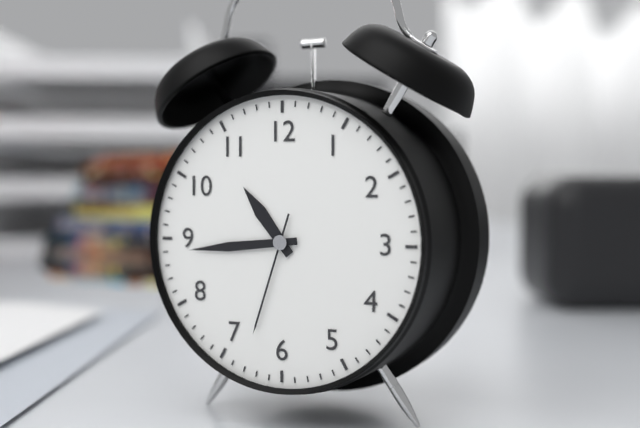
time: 10:44:33
